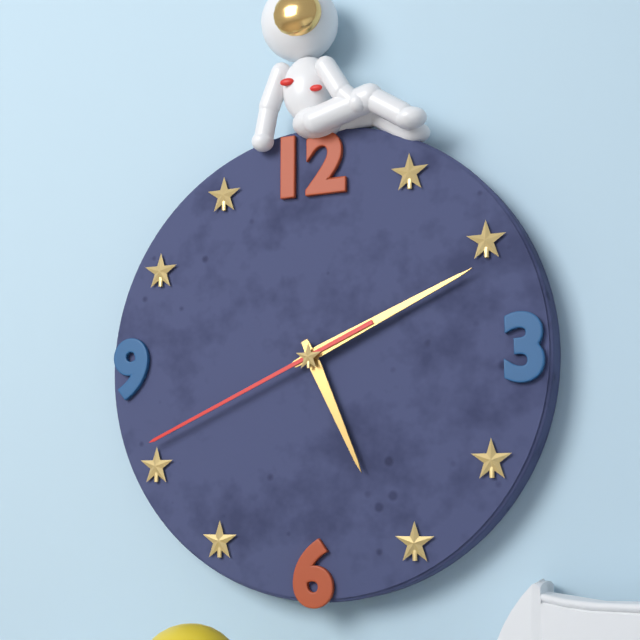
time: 5:11:41
